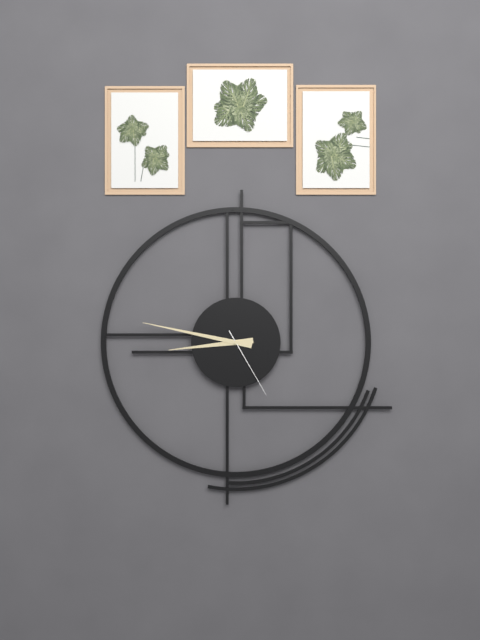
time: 8:47:25
